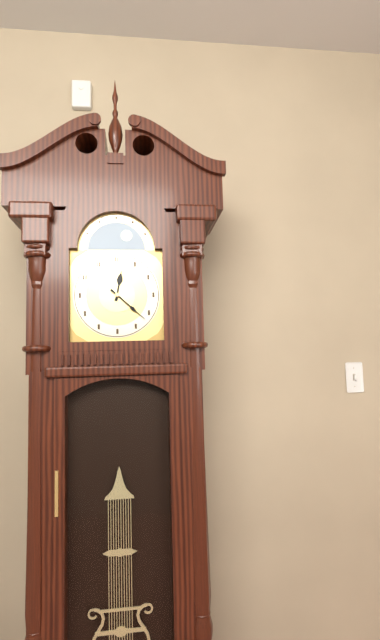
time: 12:22
